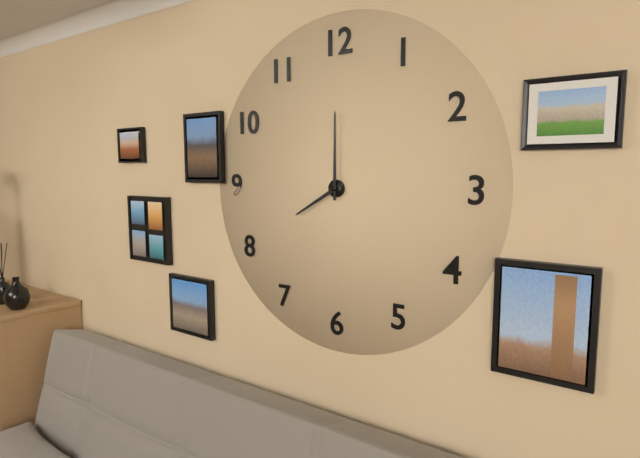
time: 8:00
